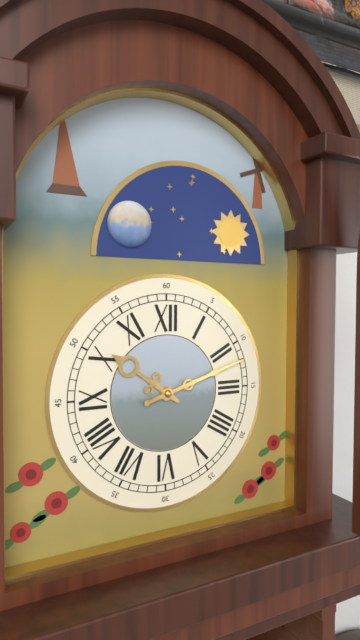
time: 10:12
